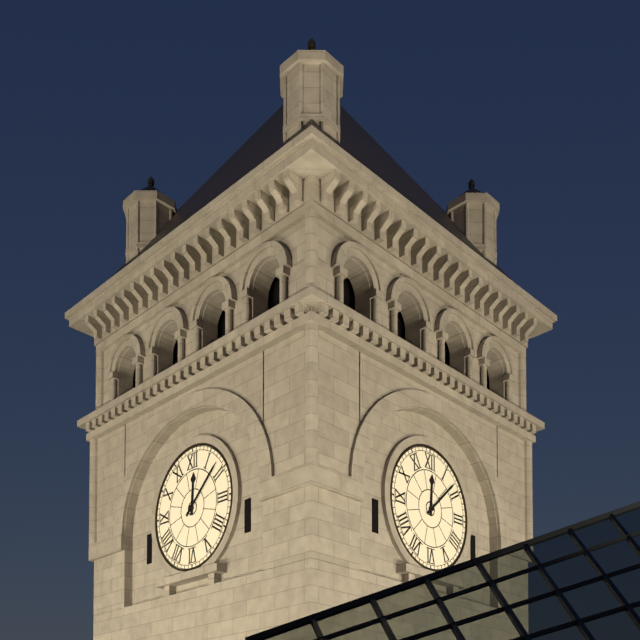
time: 12:08
